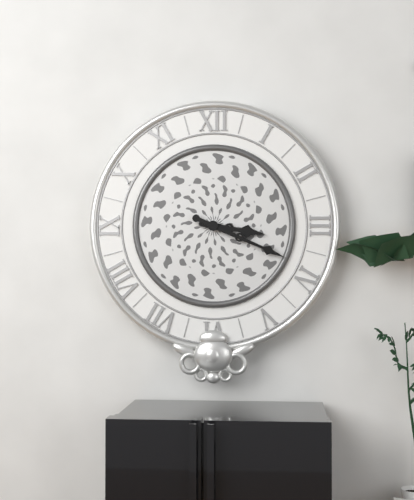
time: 3:19
